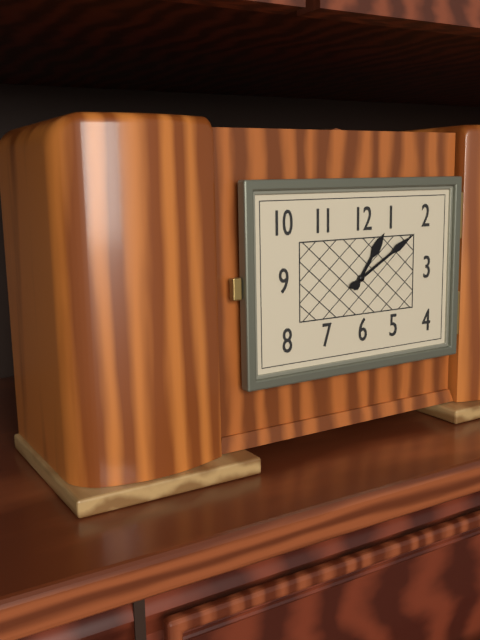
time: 1:10
